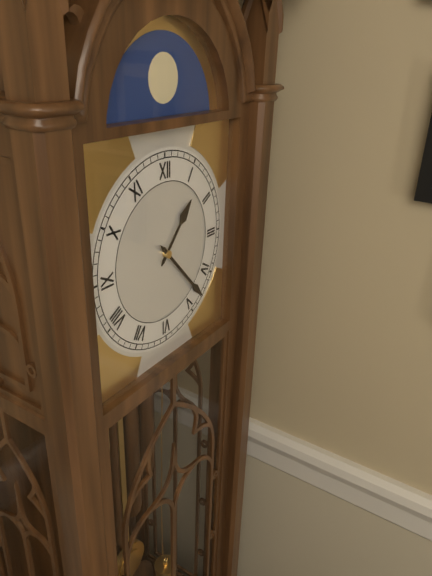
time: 1:23
